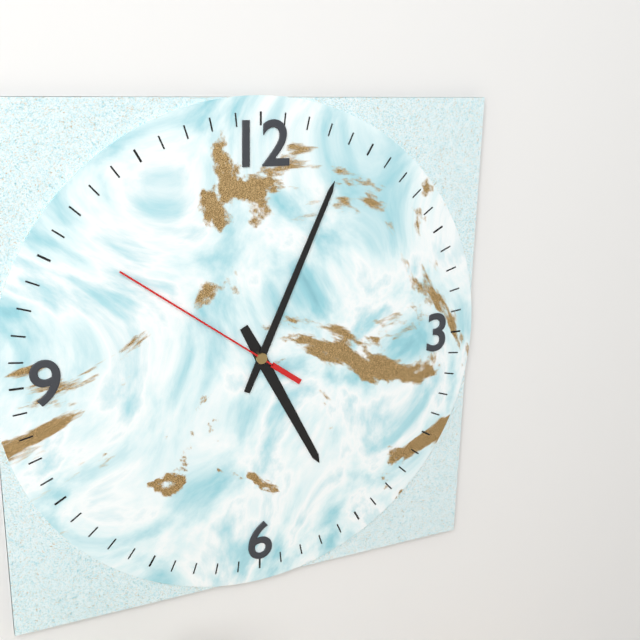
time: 5:04:51
